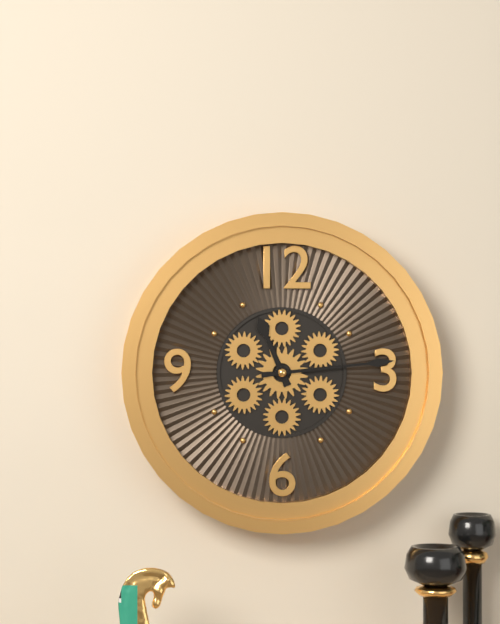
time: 11:14
